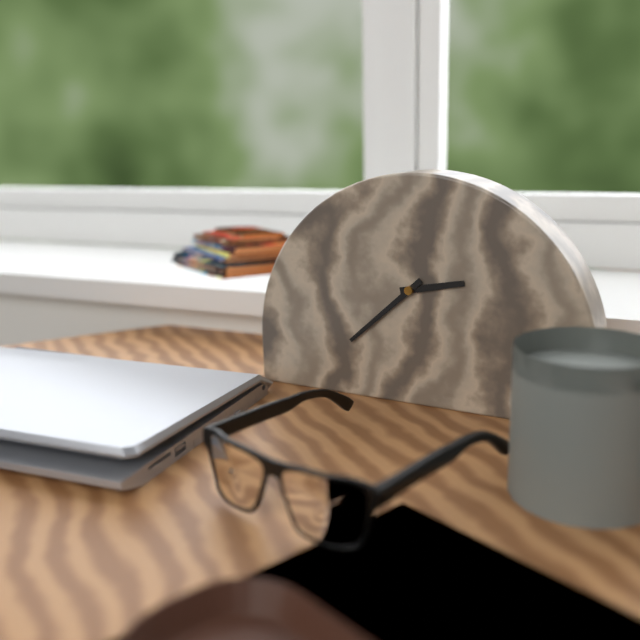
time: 2:38
